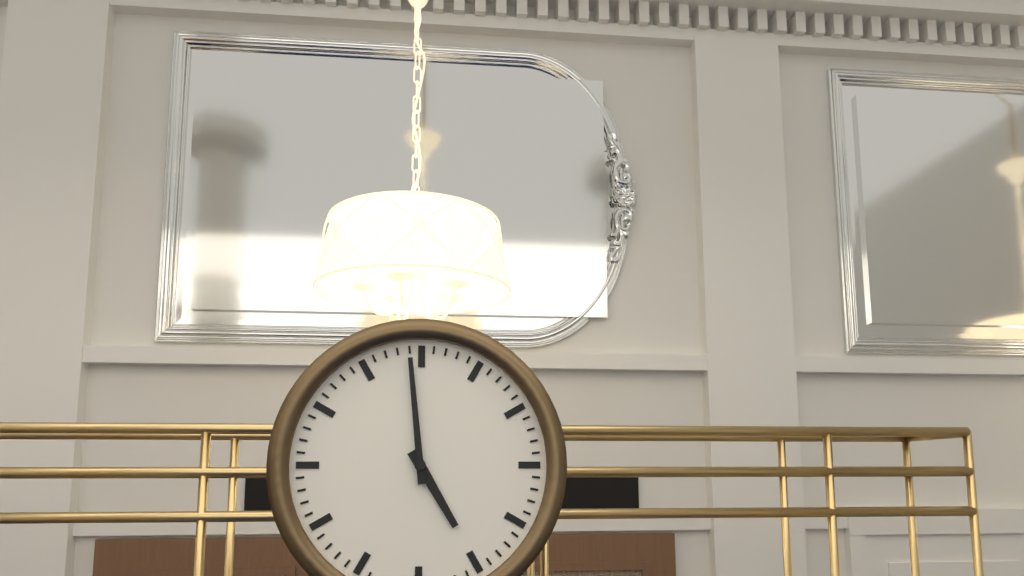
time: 4:59
